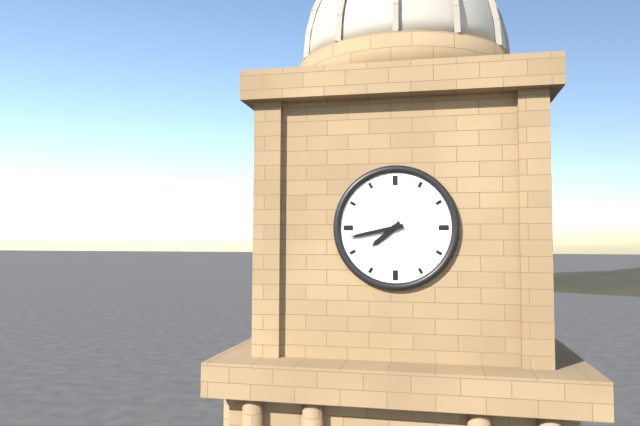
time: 7:43
